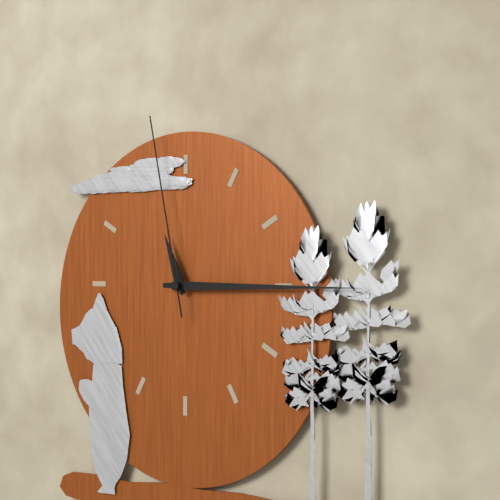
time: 11:15:58
